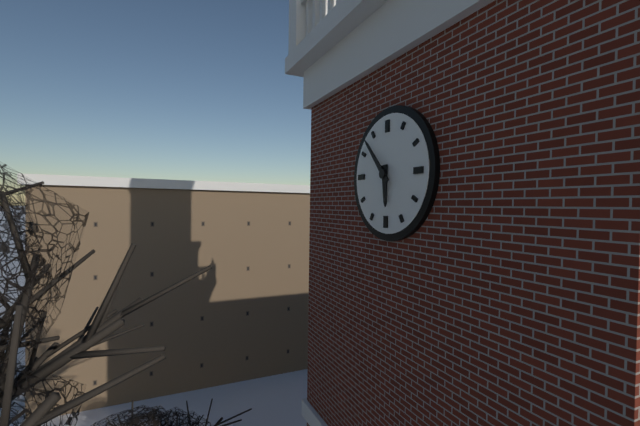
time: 5:53
